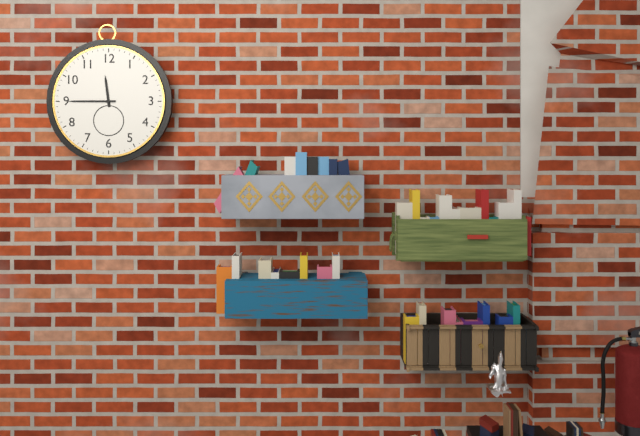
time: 11:45
